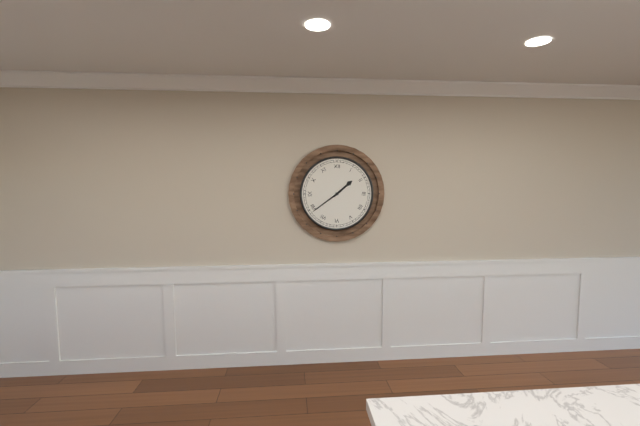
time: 1:39
